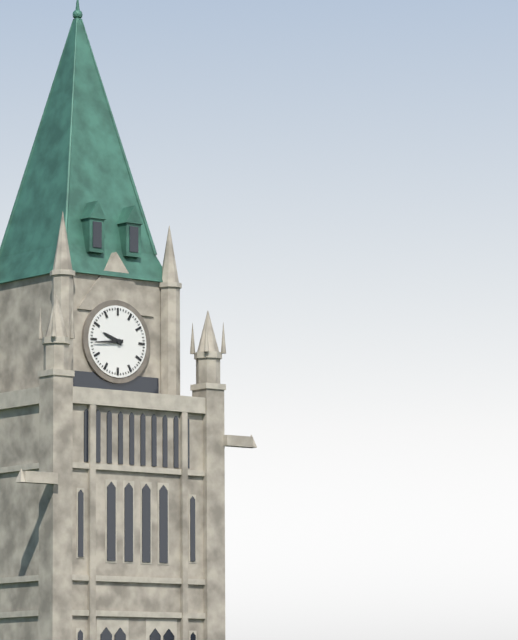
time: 9:44
